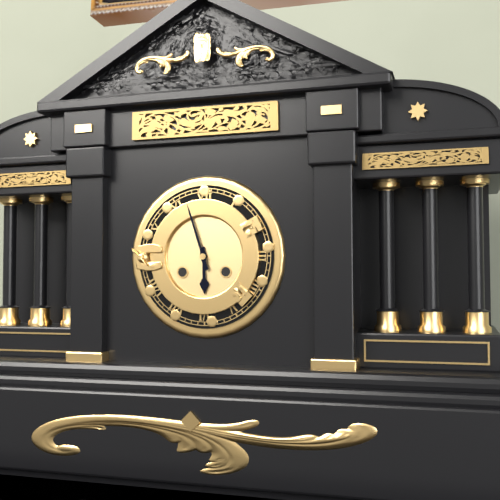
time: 5:57
